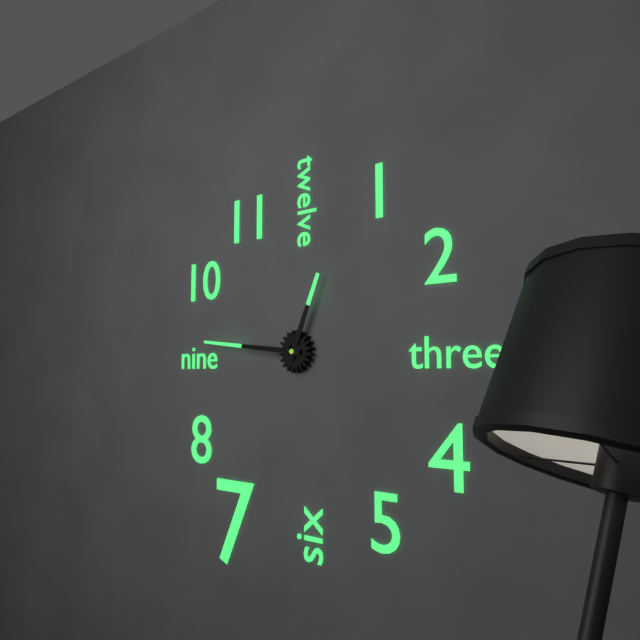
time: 12:46
